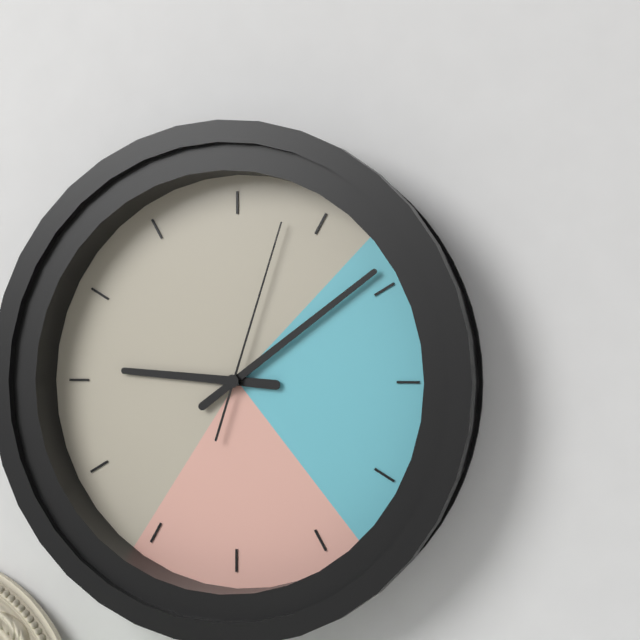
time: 9:09:03
